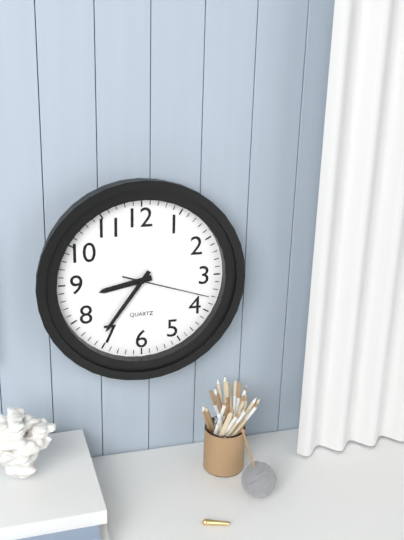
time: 8:36:18
